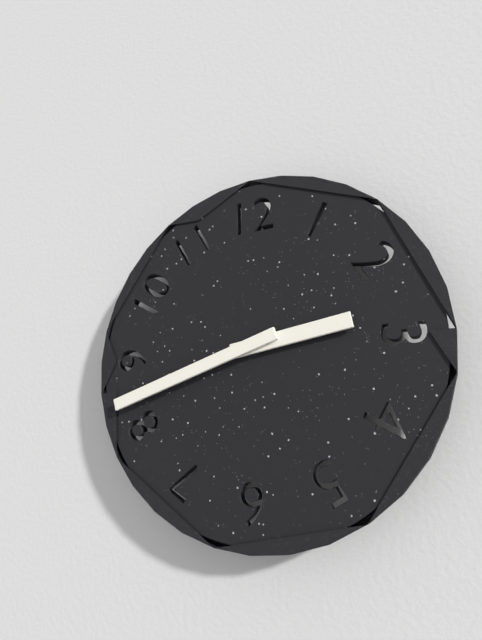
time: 2:42
